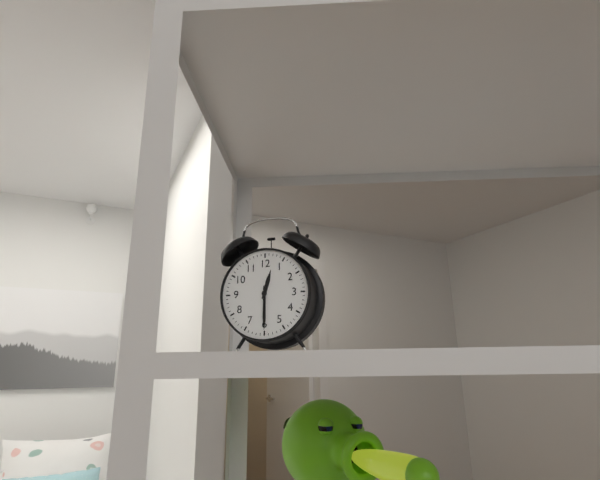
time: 12:30
